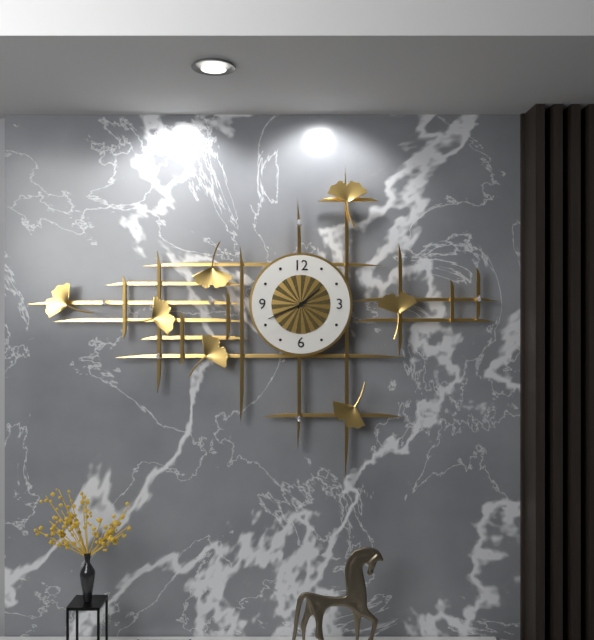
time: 1:41
